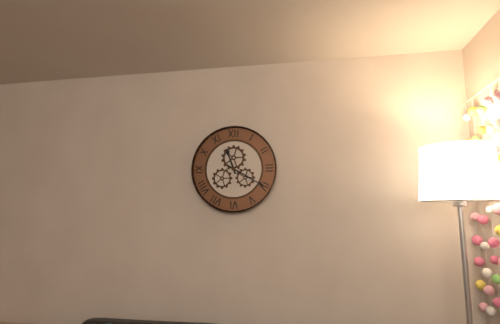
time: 11:20
